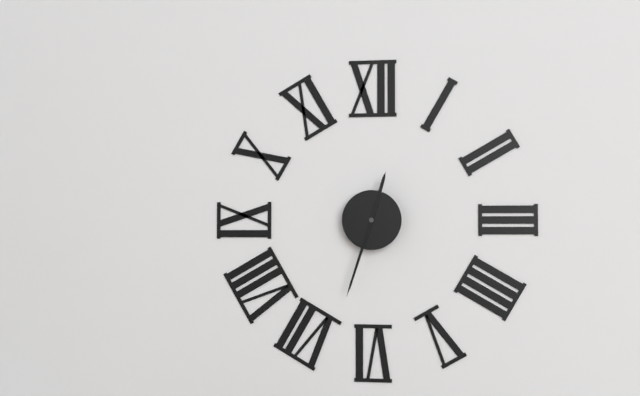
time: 12:33
